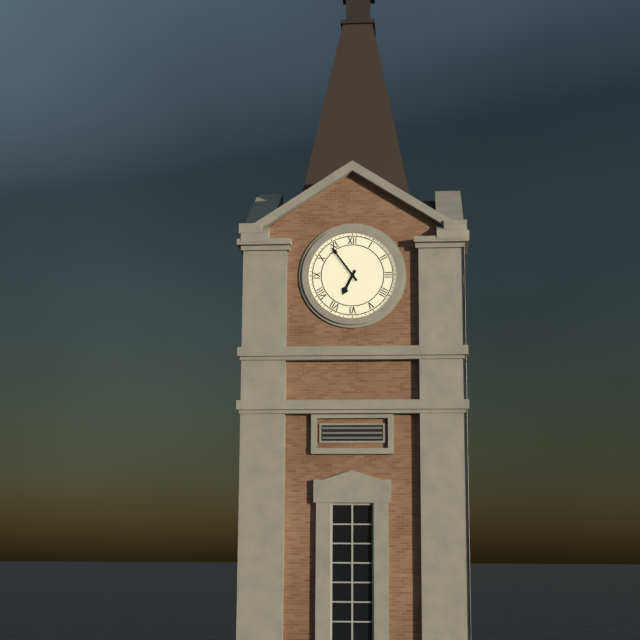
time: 6:54
